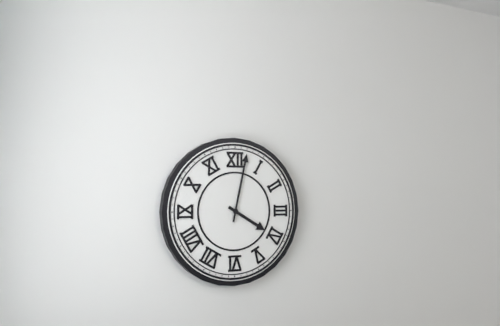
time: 4:02
